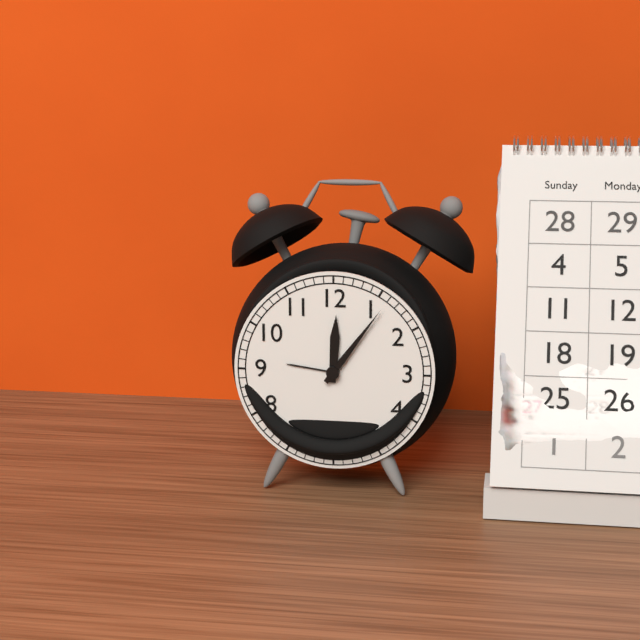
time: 12:06
